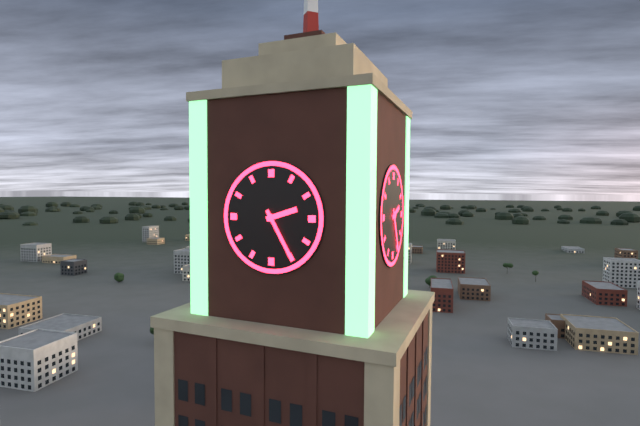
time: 2:25
